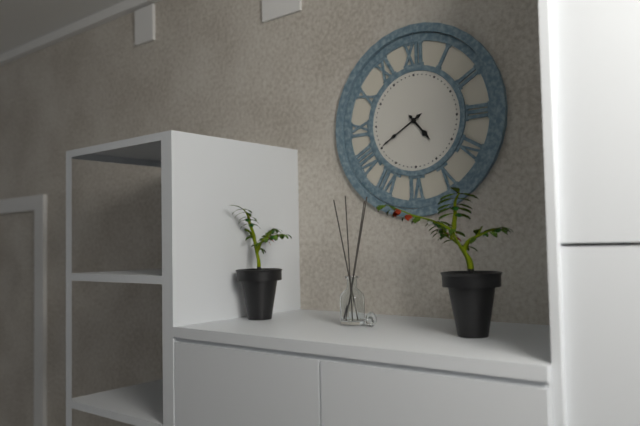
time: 4:40
